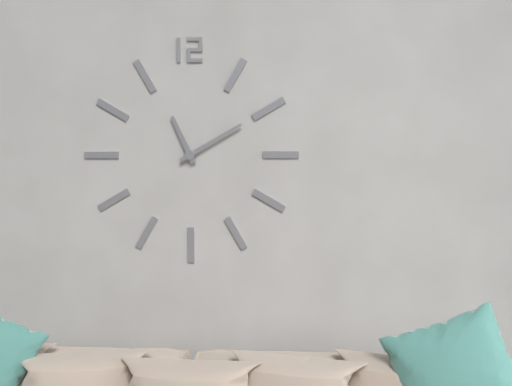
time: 11:10
